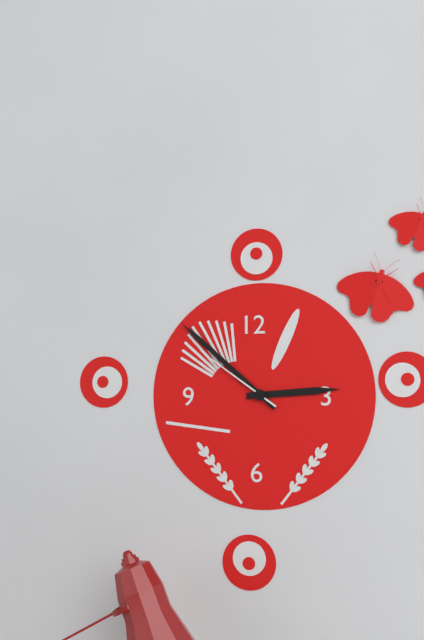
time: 2:52:51
